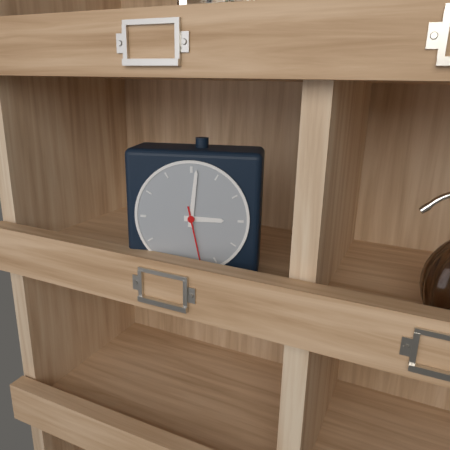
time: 3:01:28
